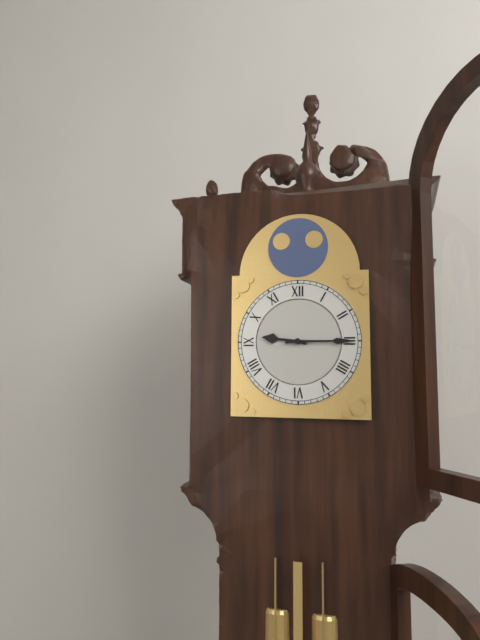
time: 9:15
